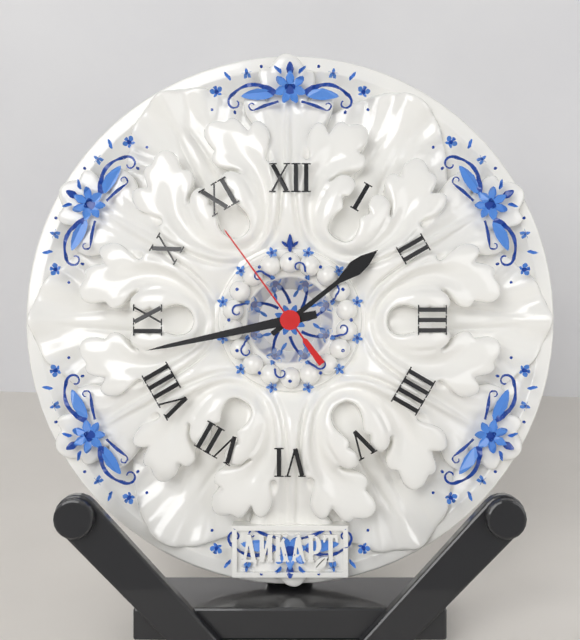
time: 1:43:54
